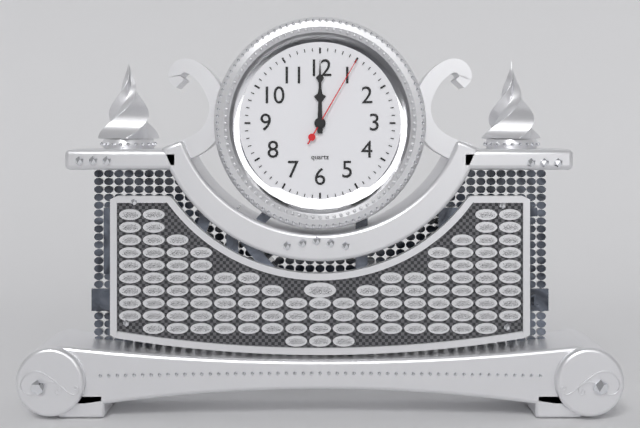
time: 12:00:05
